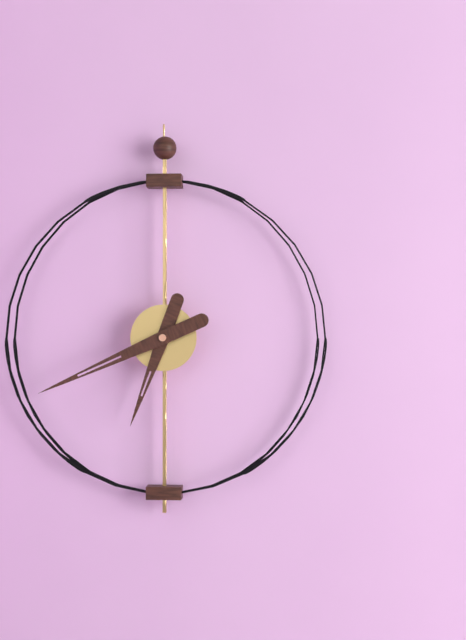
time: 6:41
